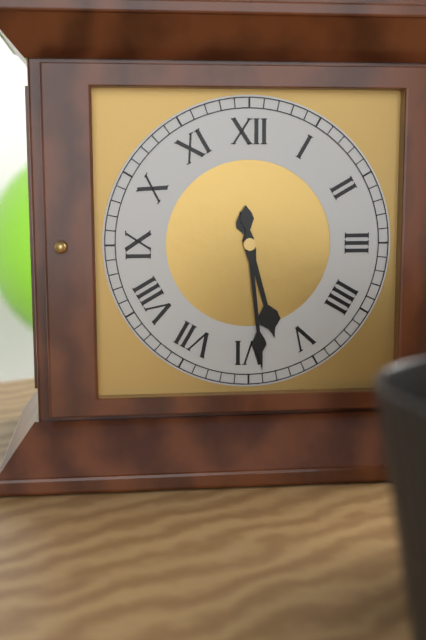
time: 5:29
